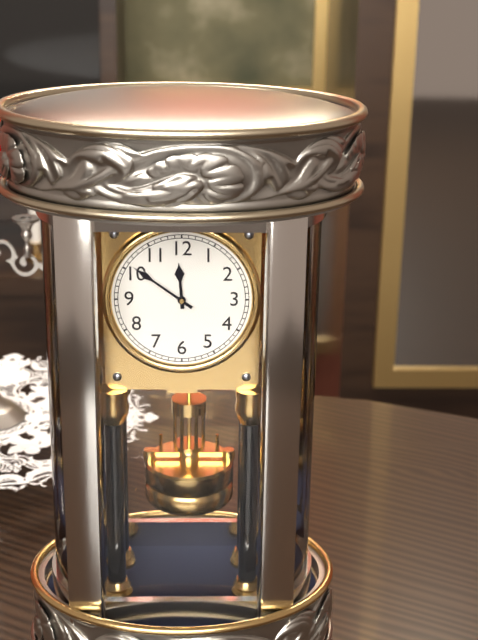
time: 11:51
